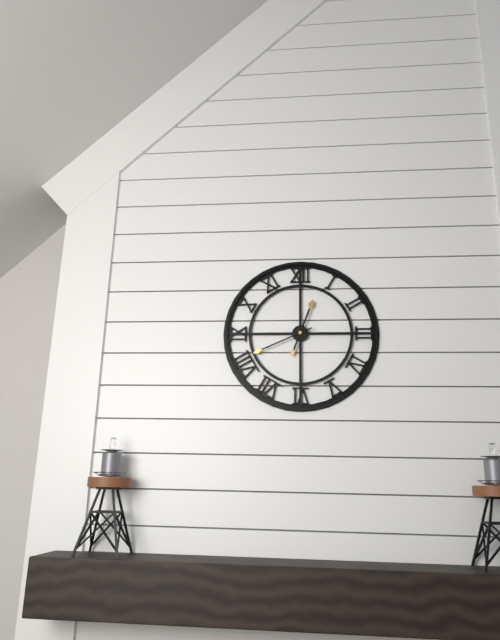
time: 12:41
